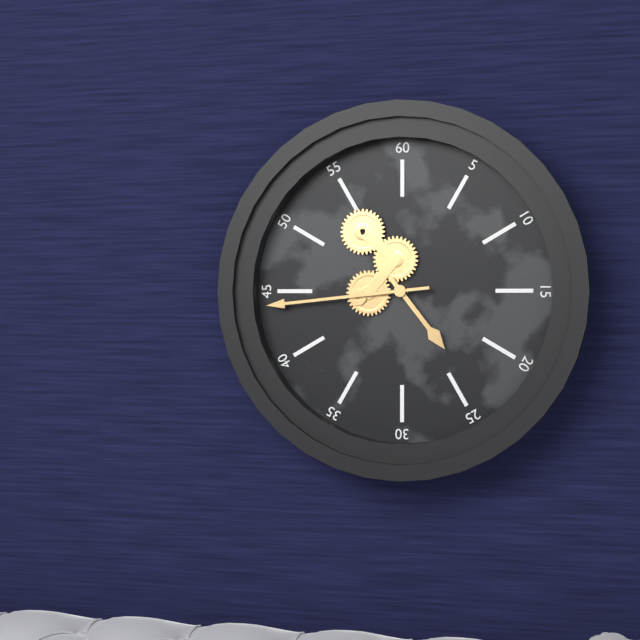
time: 4:44
